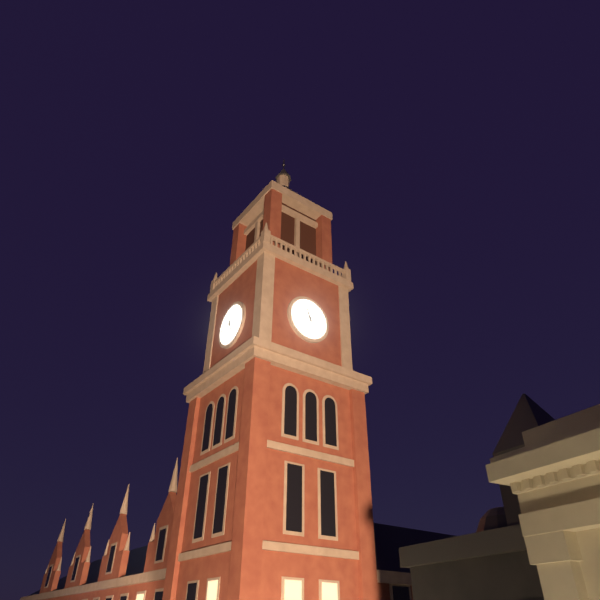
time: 11:25
